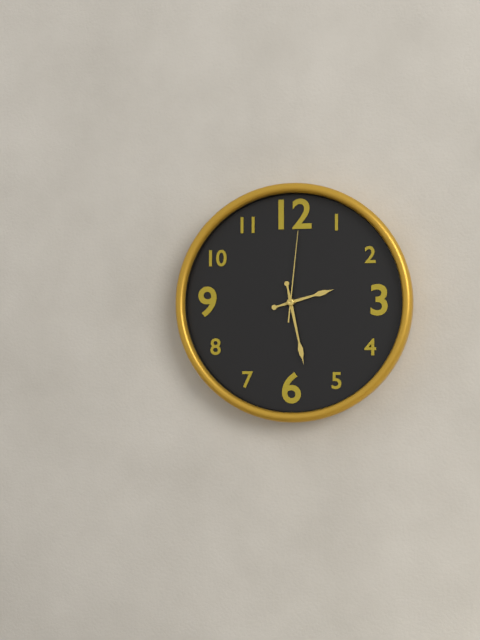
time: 2:28:01
